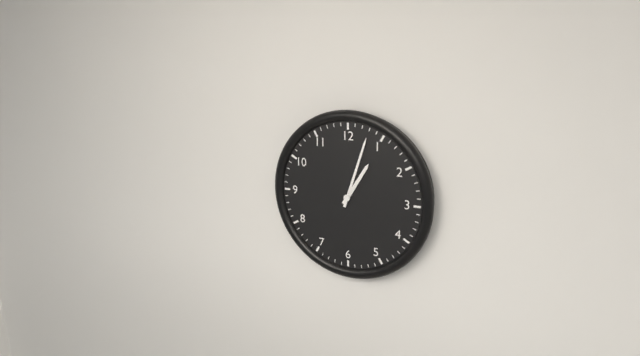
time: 1:03
